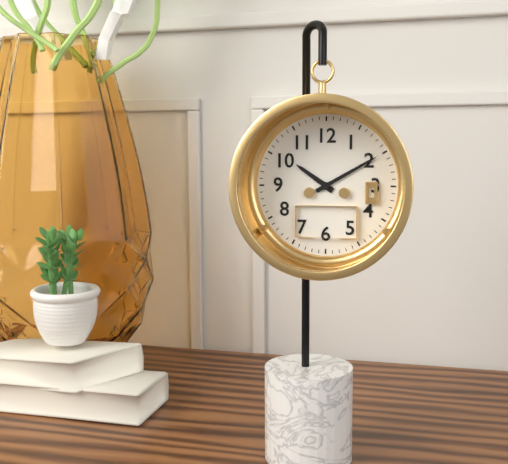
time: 10:10
